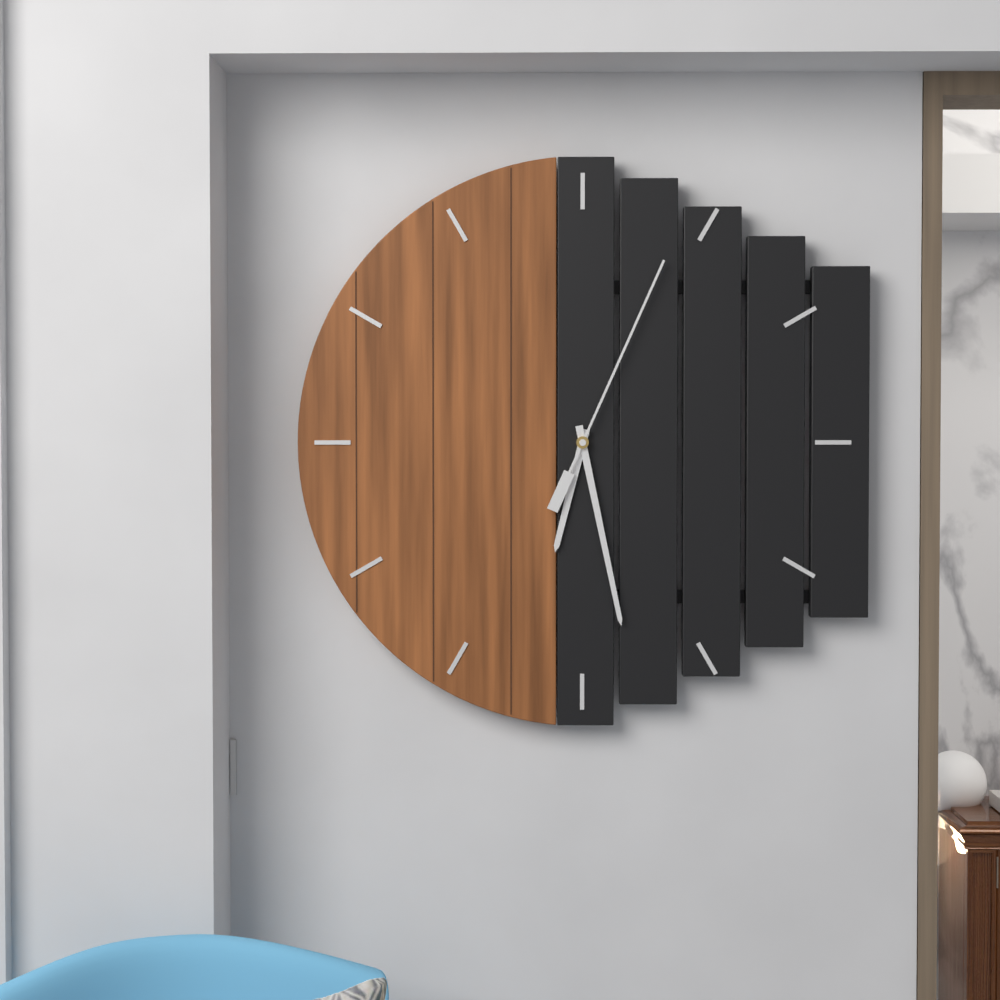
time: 6:28:04
